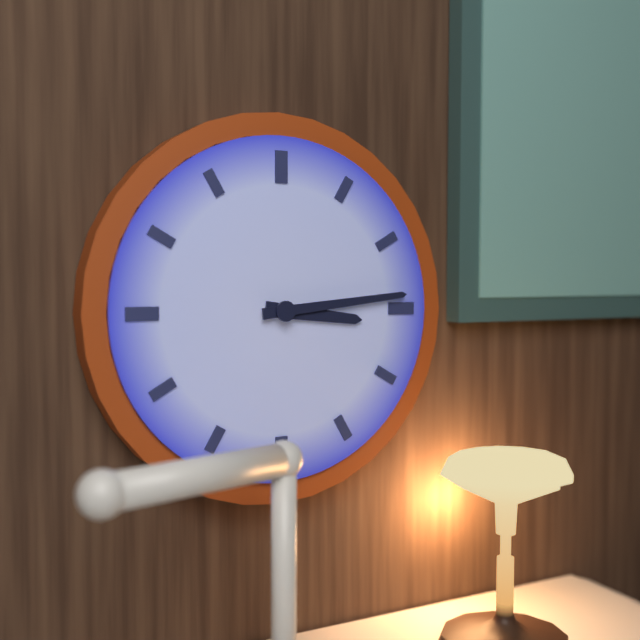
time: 3:14
